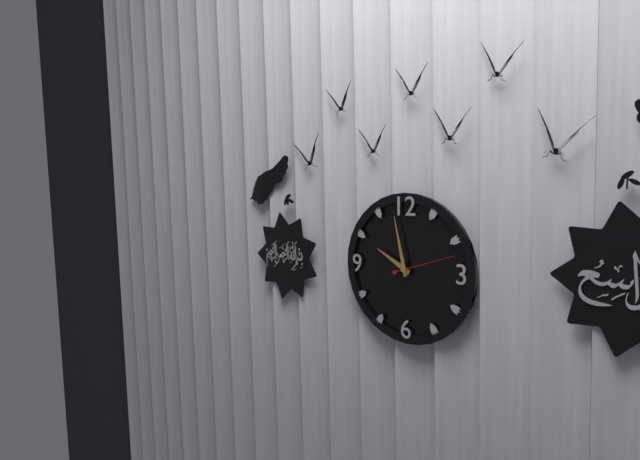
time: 9:58:12
